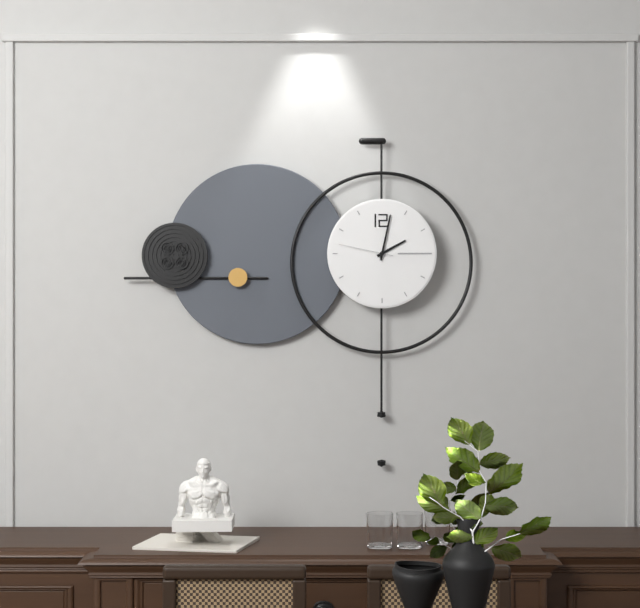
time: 2:02:47
